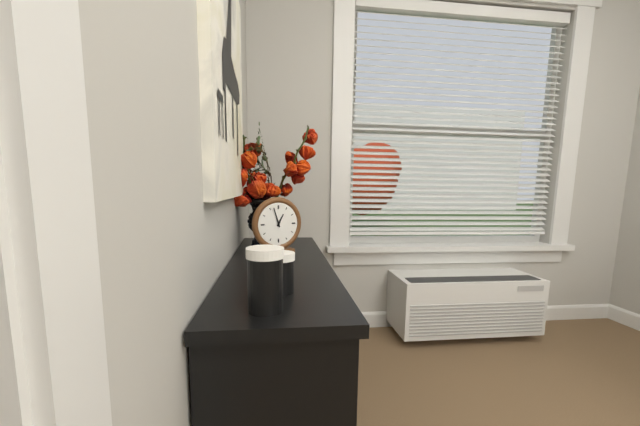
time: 12:57
